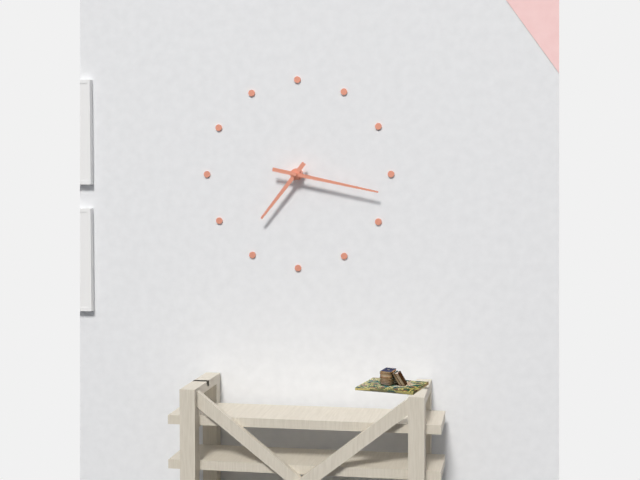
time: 7:17
